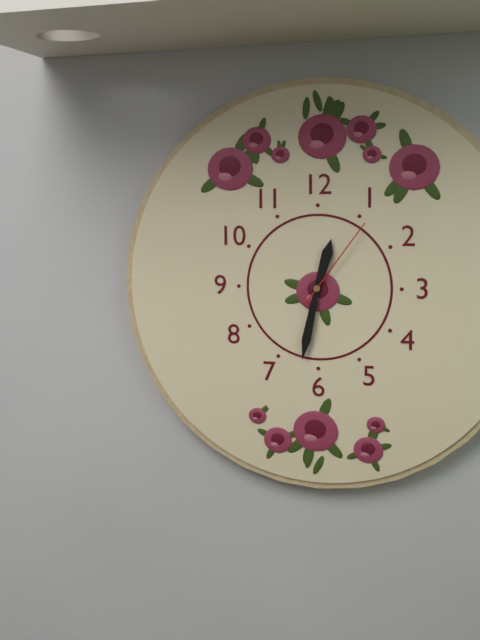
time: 12:32:06
